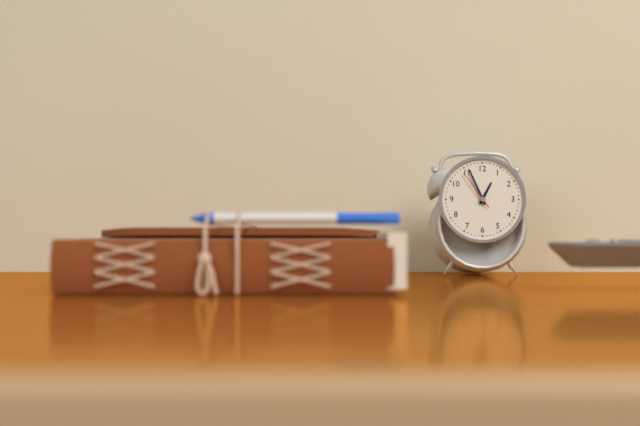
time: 12:56
